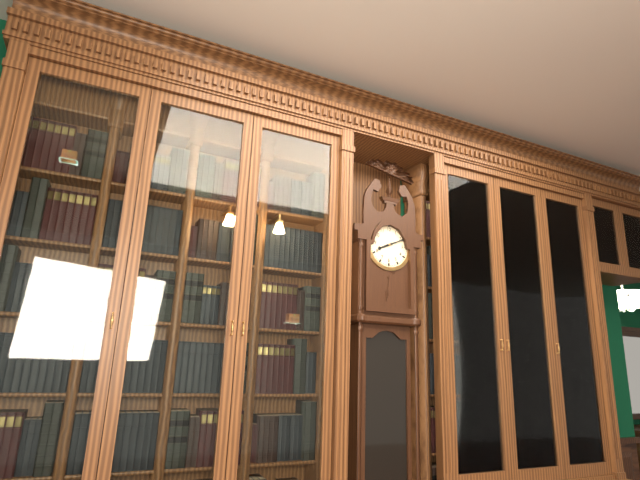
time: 8:11
